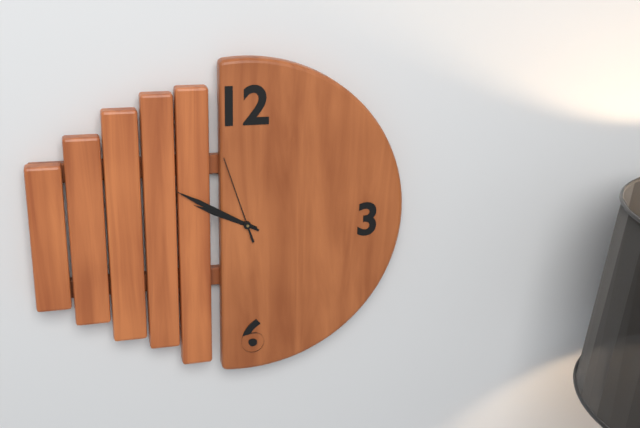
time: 9:50:57
